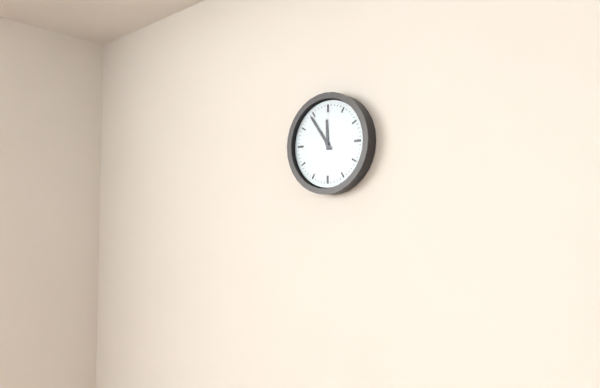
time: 11:54
